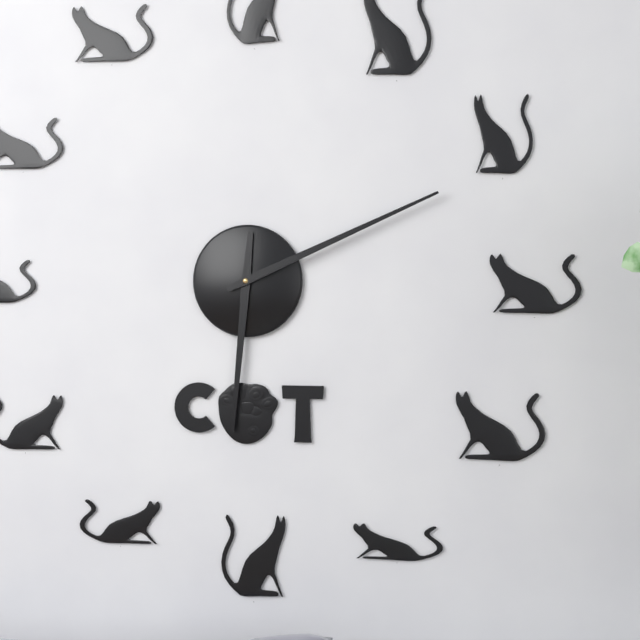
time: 6:11
